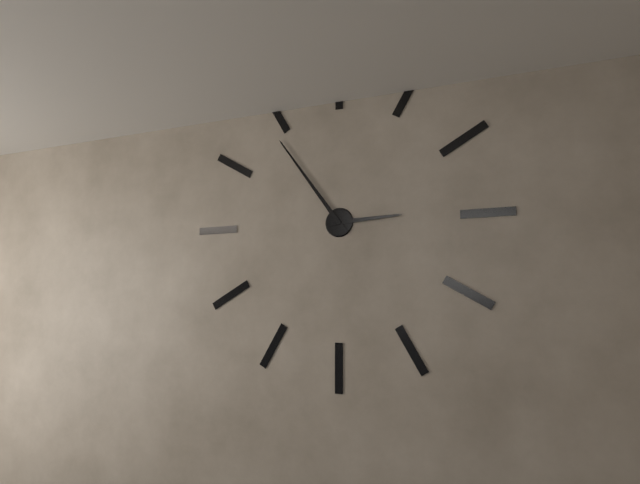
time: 2:54
